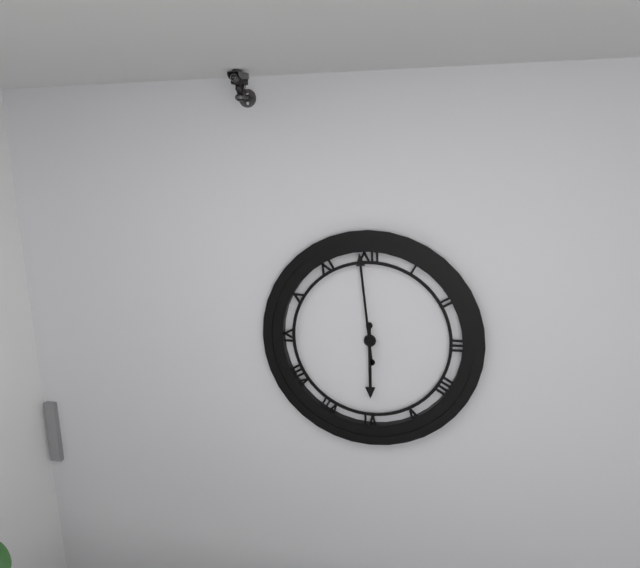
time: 5:59
